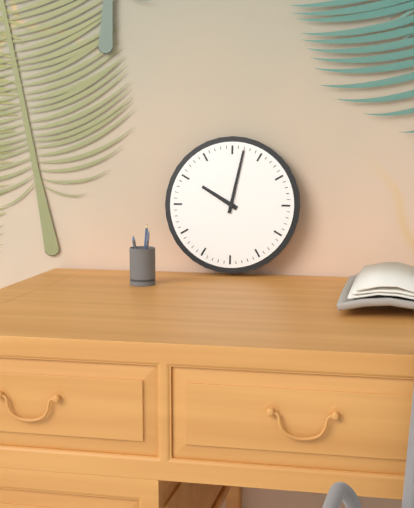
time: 10:02
